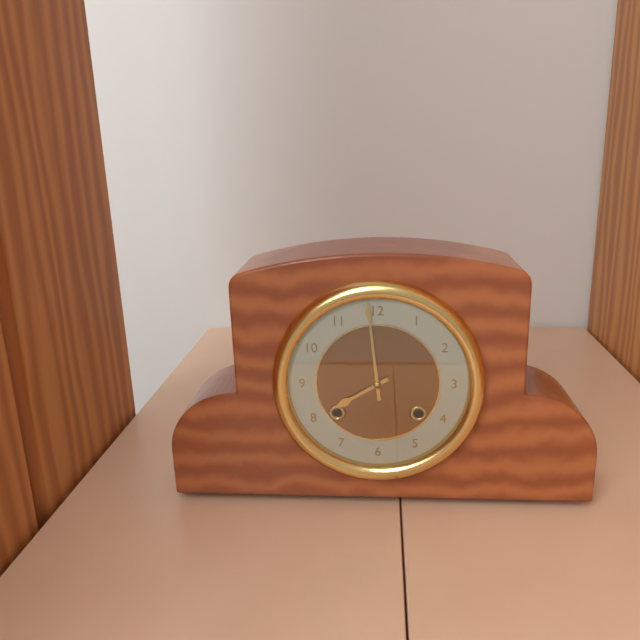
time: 7:59
